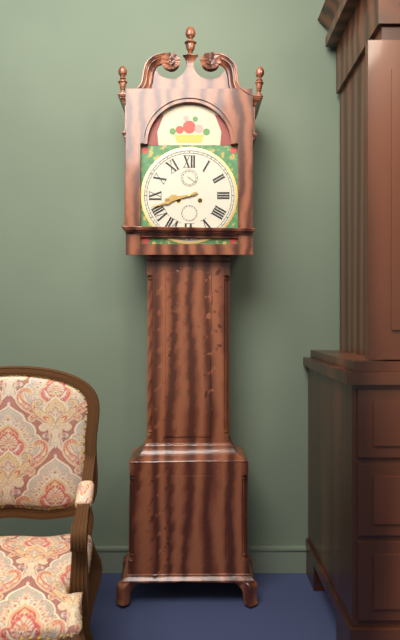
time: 8:42
